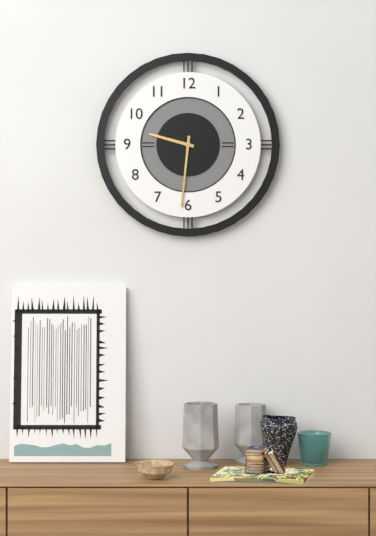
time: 9:31
